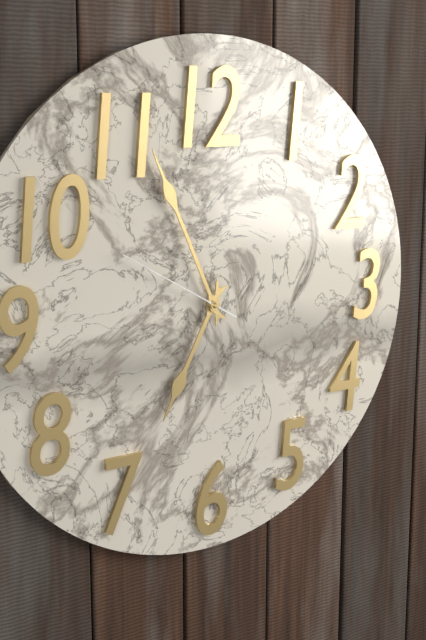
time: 6:56:50
